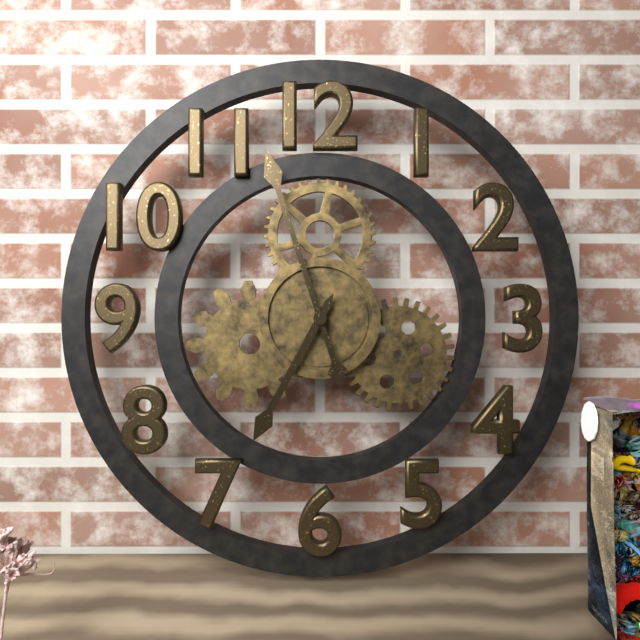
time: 6:57
